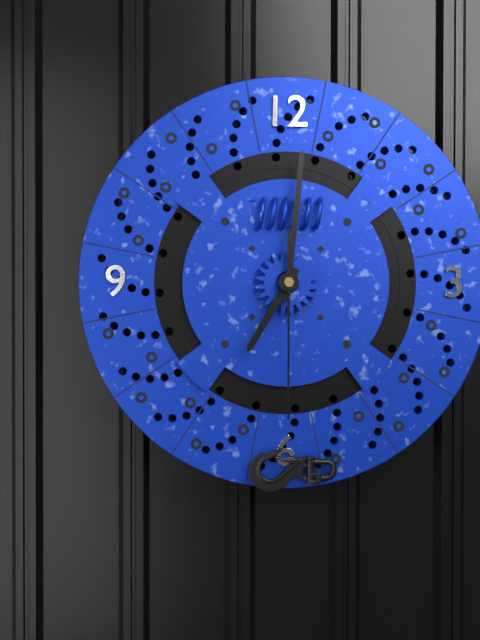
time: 7:01:30
